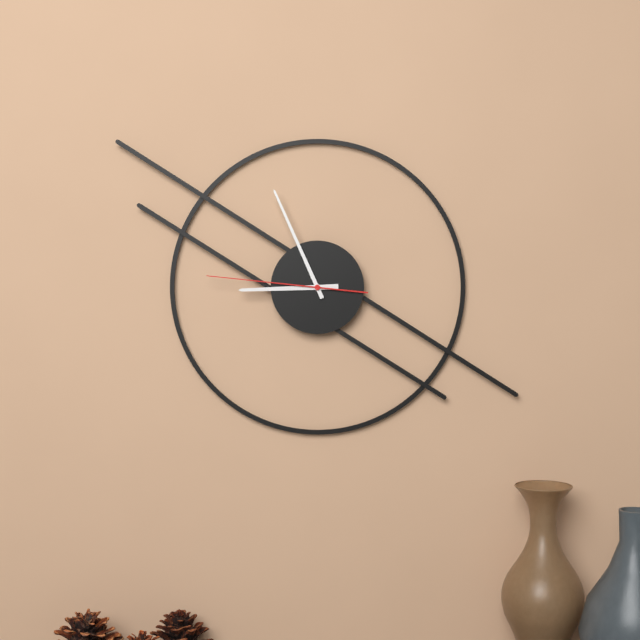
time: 8:56:46
